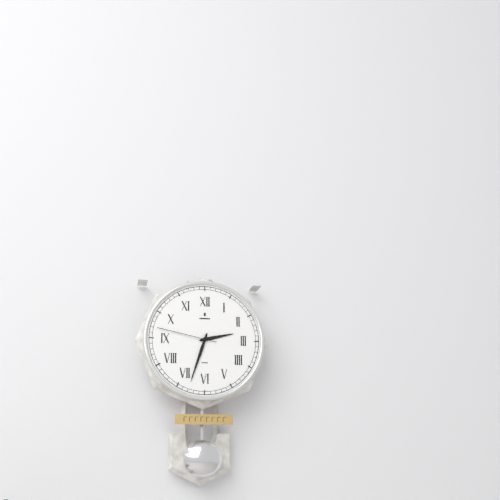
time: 2:33:47
